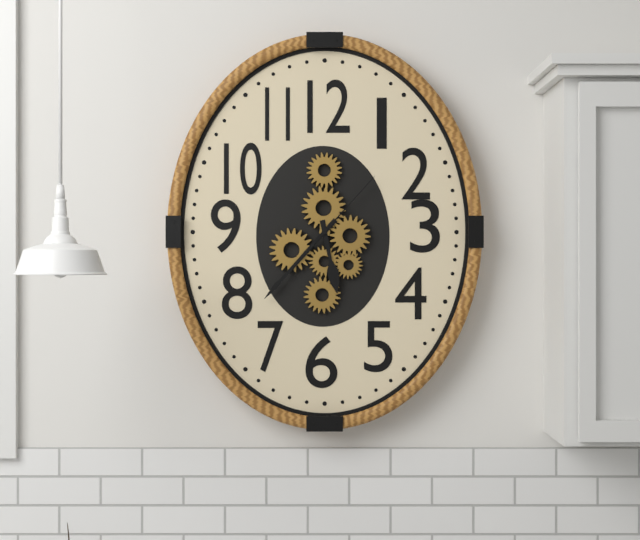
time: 5:37:07
